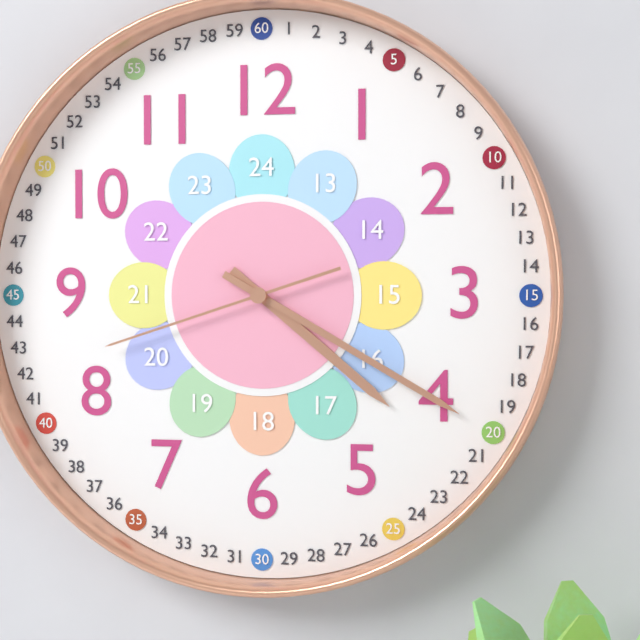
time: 4:20:42
